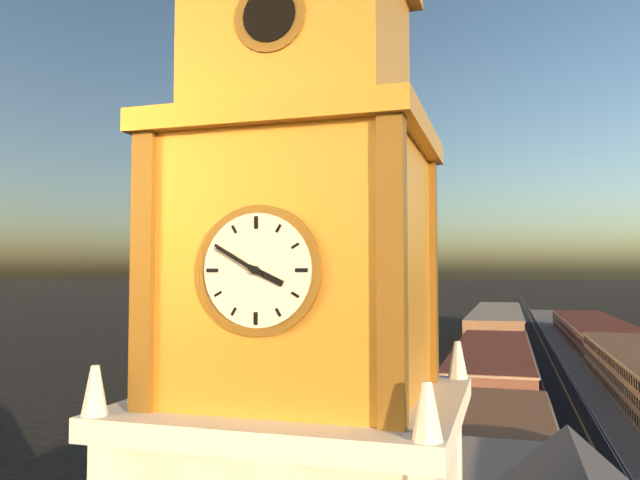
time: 3:50
